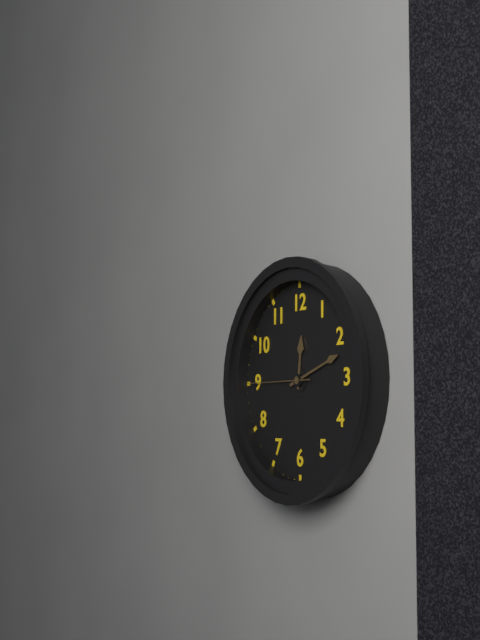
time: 12:12:45
